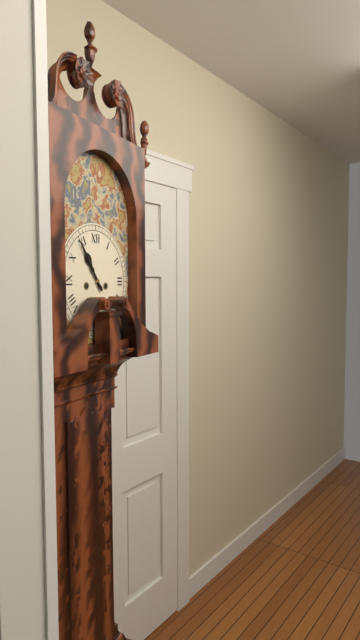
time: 10:54
